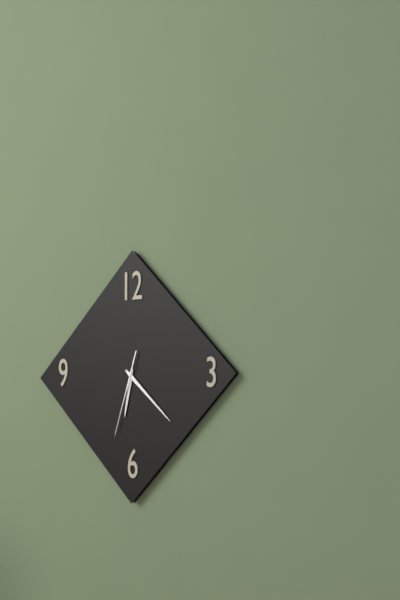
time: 6:22:33
